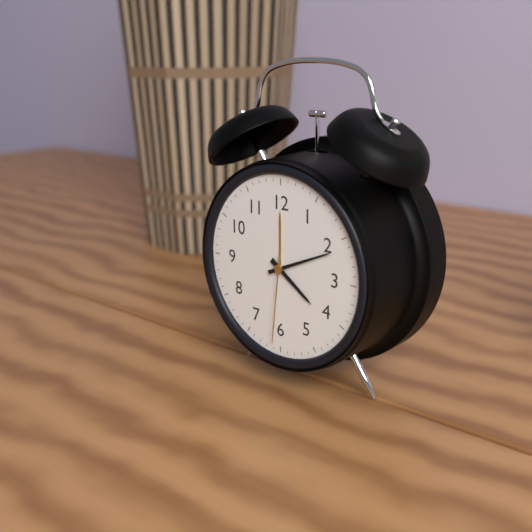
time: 4:11:31
